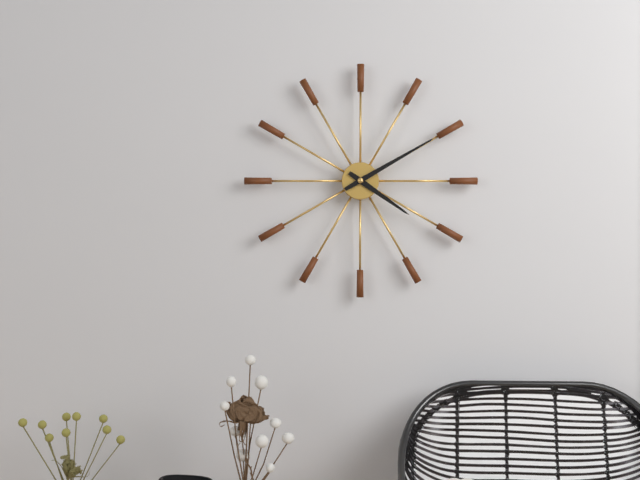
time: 4:10
